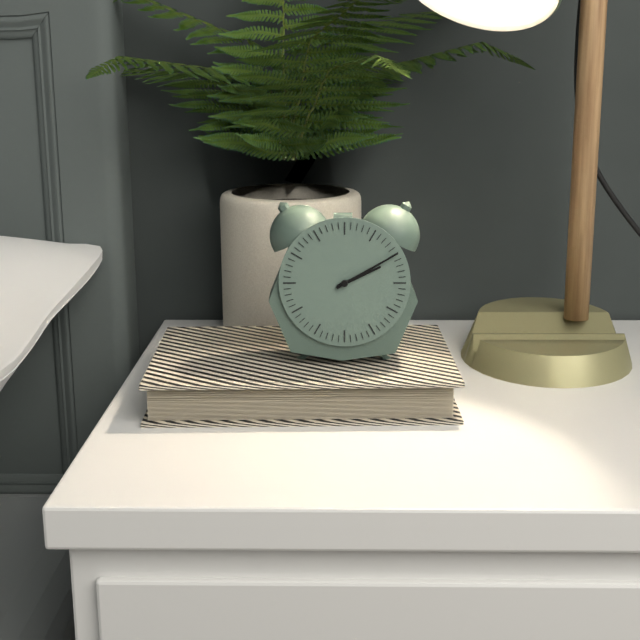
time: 2:10
